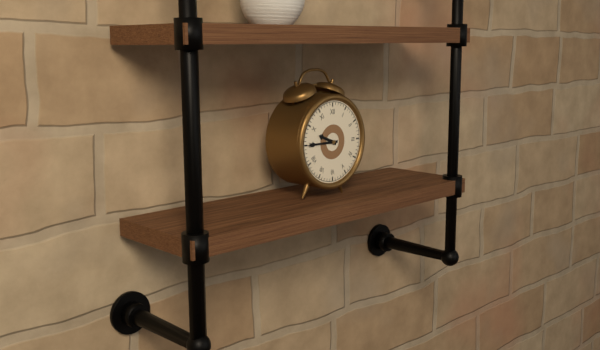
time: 9:45
